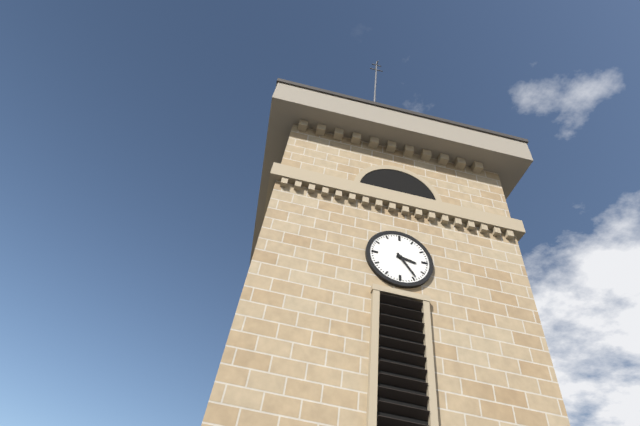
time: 3:24
